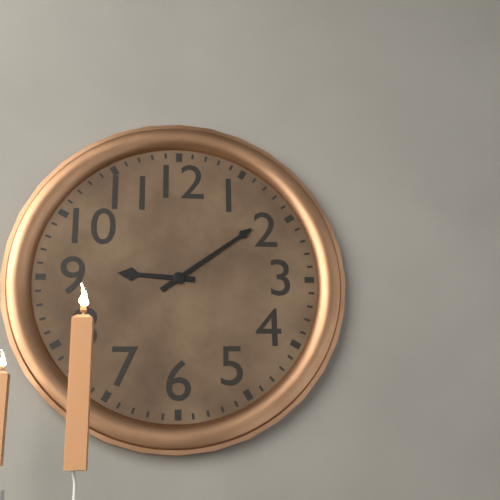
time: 9:09
